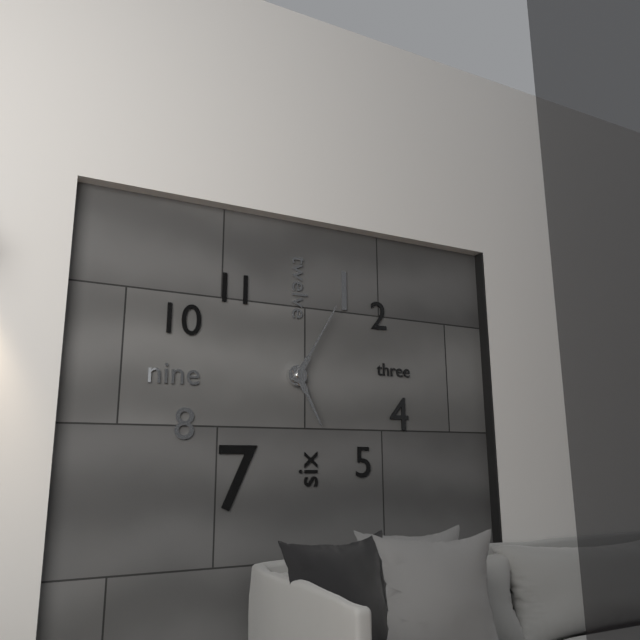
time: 5:05
